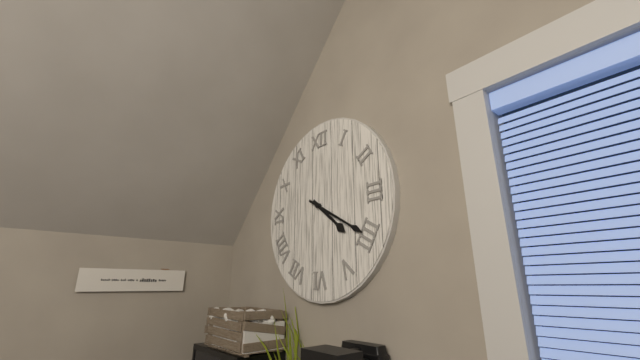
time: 4:20
